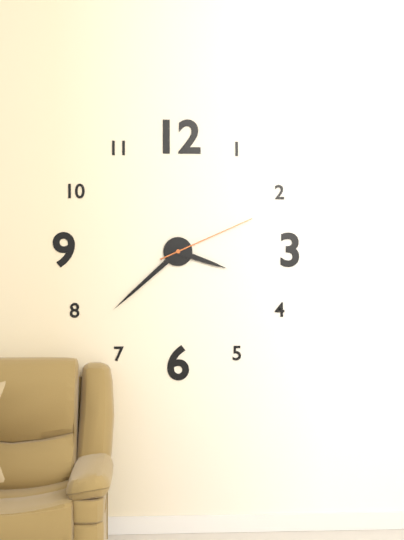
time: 3:38:11
